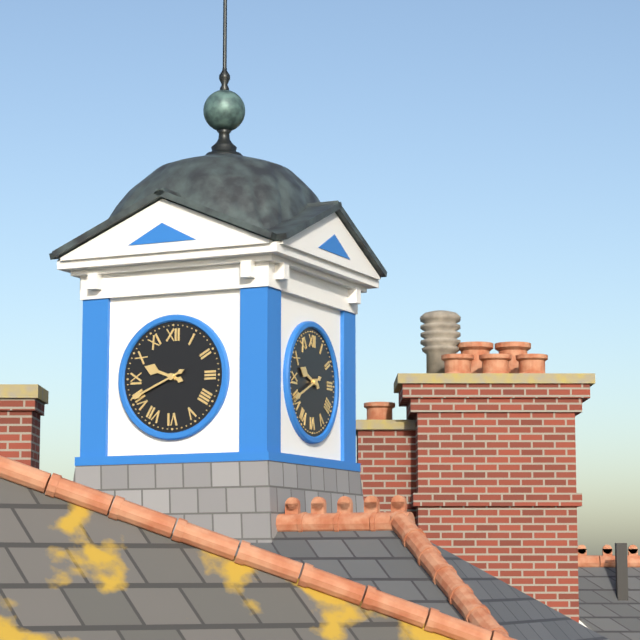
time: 9:41
